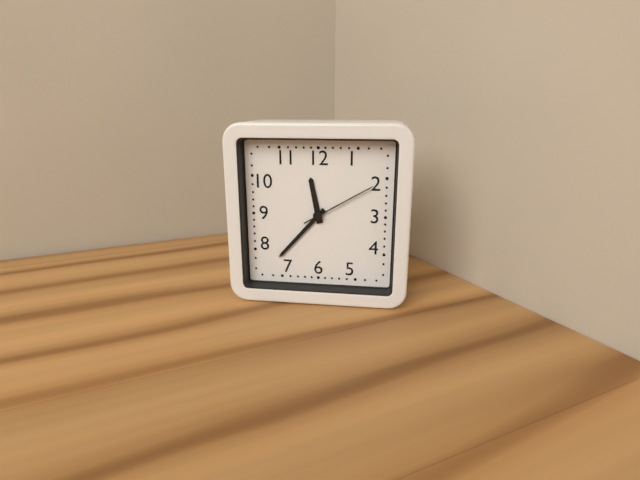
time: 11:37:10
